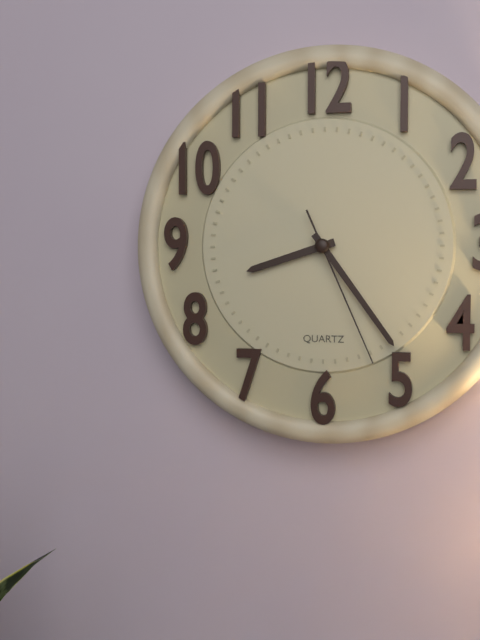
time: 8:24:26
